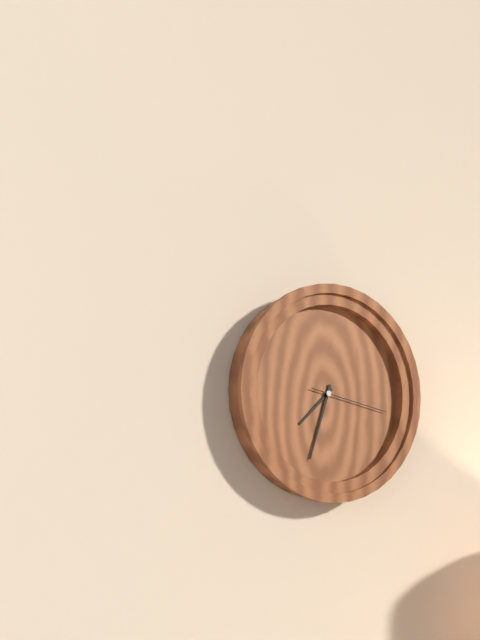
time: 7:33:17
